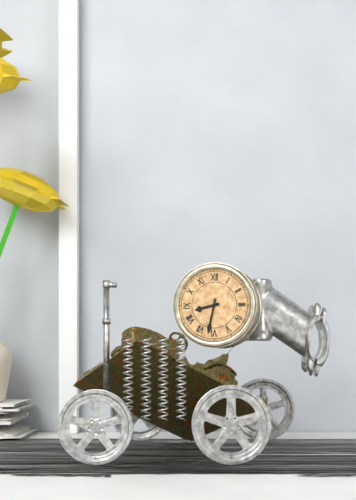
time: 8:32
